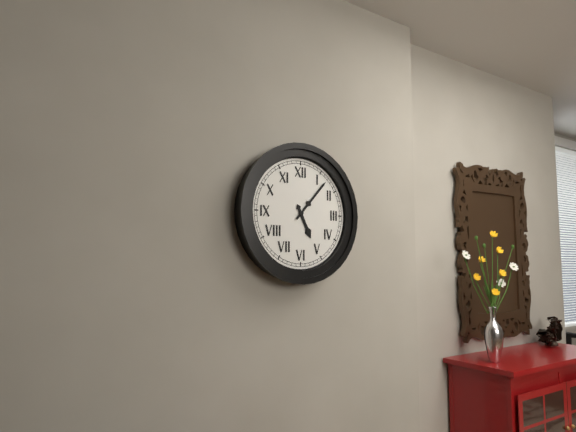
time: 5:07
